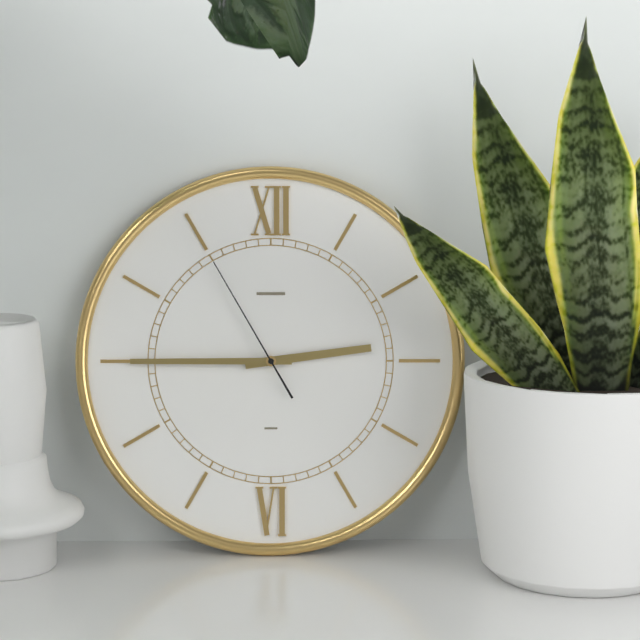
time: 2:45:55
